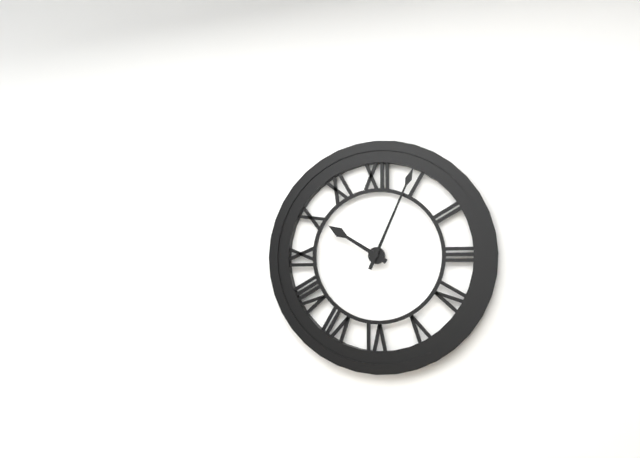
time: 10:04
